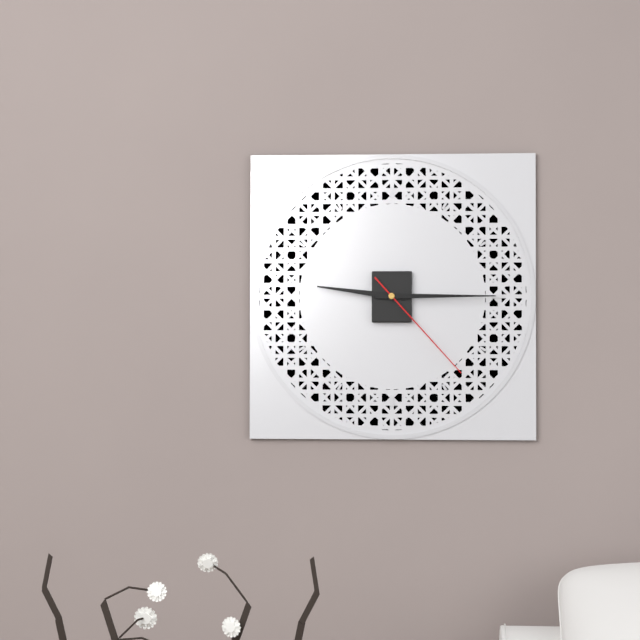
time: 9:15:23
